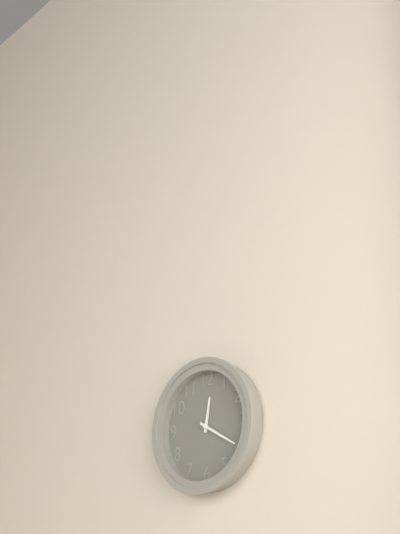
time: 12:20
